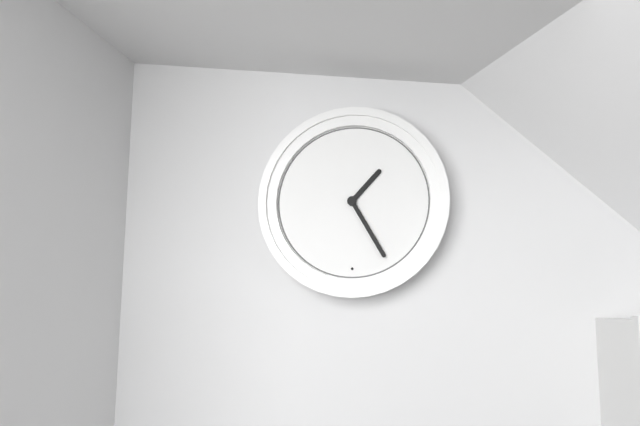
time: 1:25
